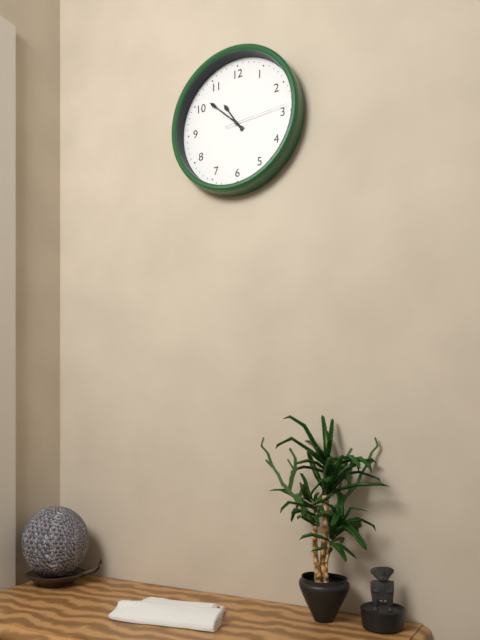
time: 10:52:14
